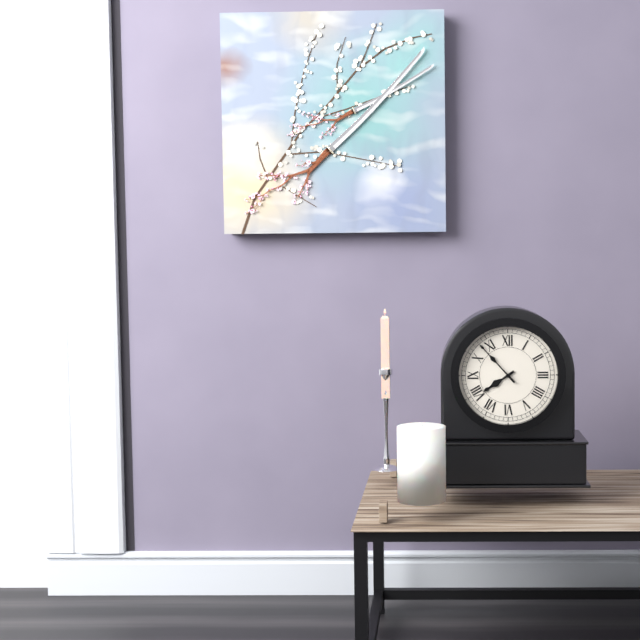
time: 7:53
